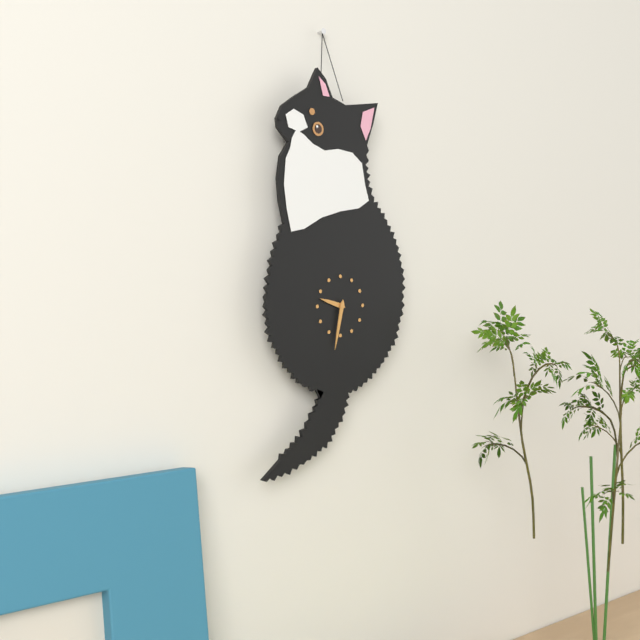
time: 9:32
